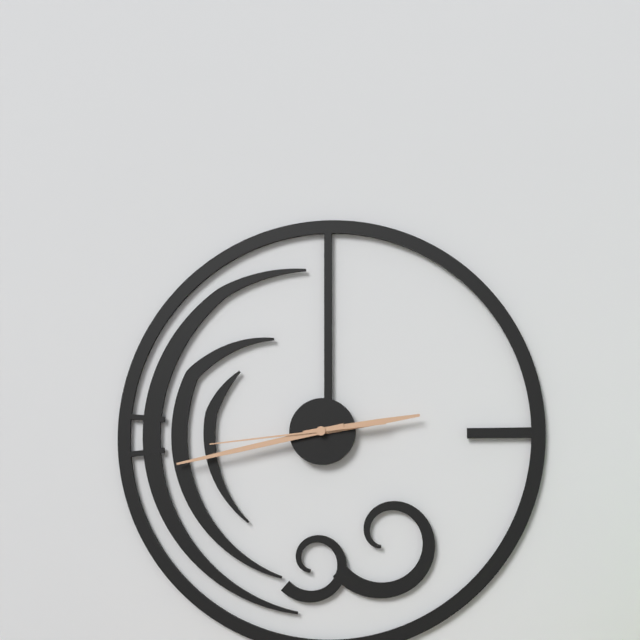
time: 2:43:44
